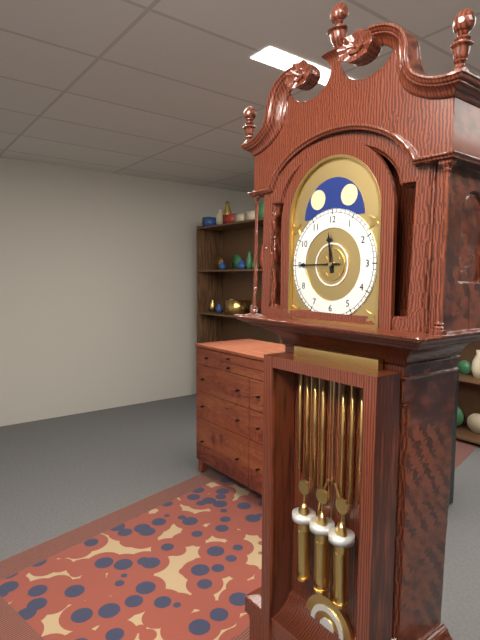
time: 11:45
